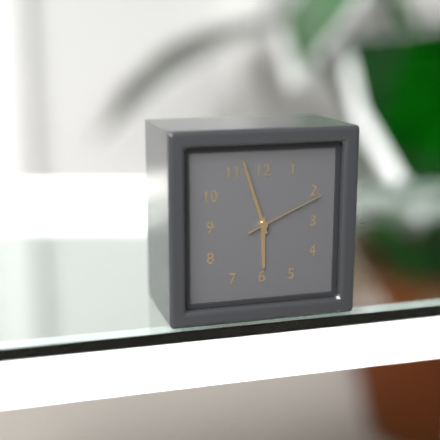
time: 5:57:11
